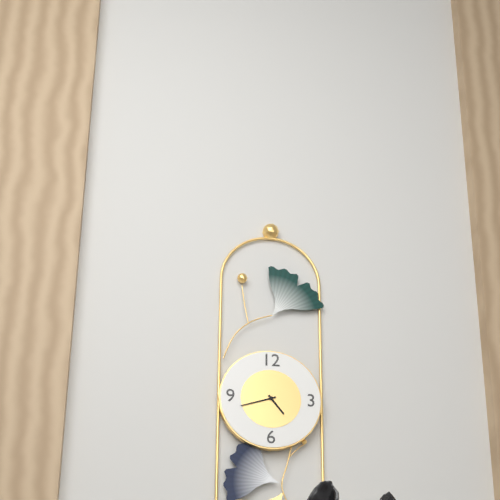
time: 4:42
